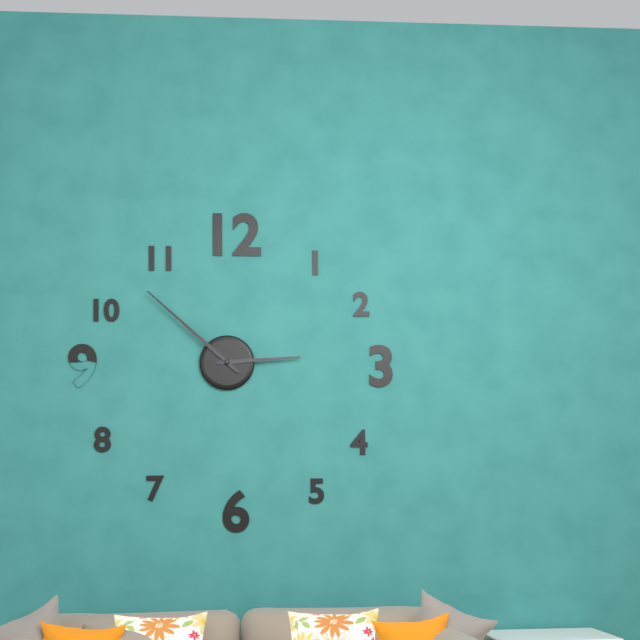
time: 2:52
